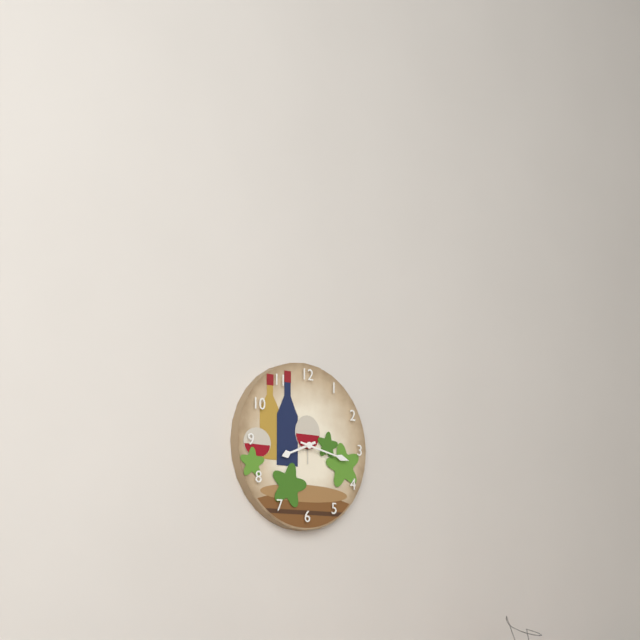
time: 8:17
